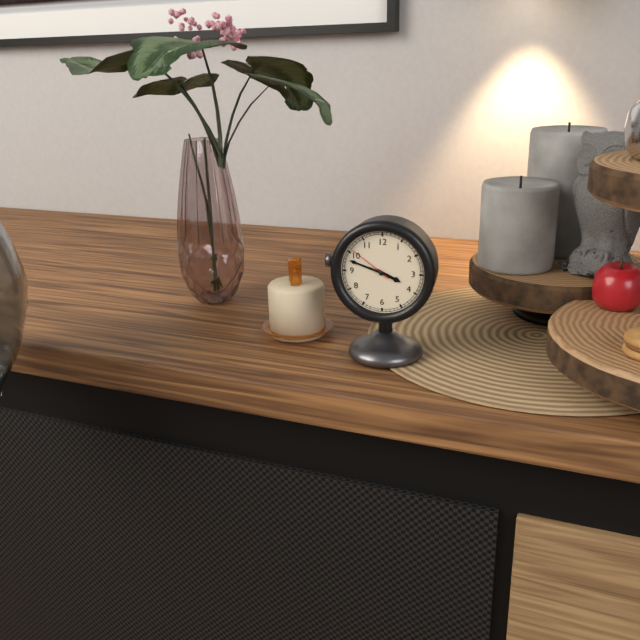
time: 3:48
